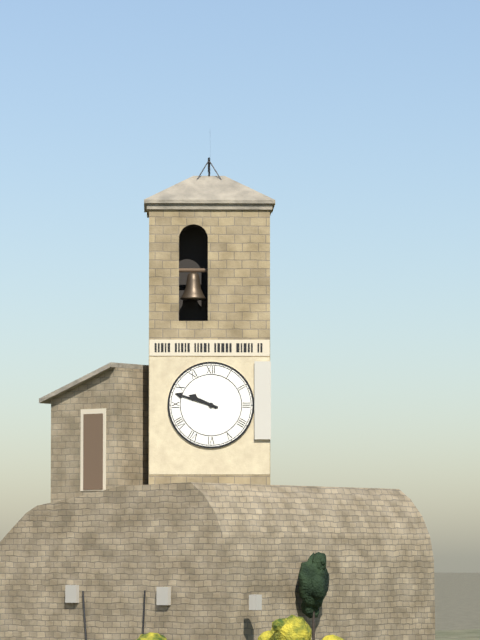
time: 9:48
